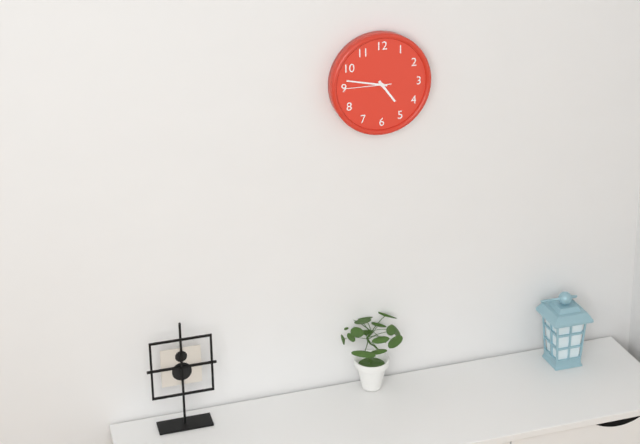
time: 4:47
